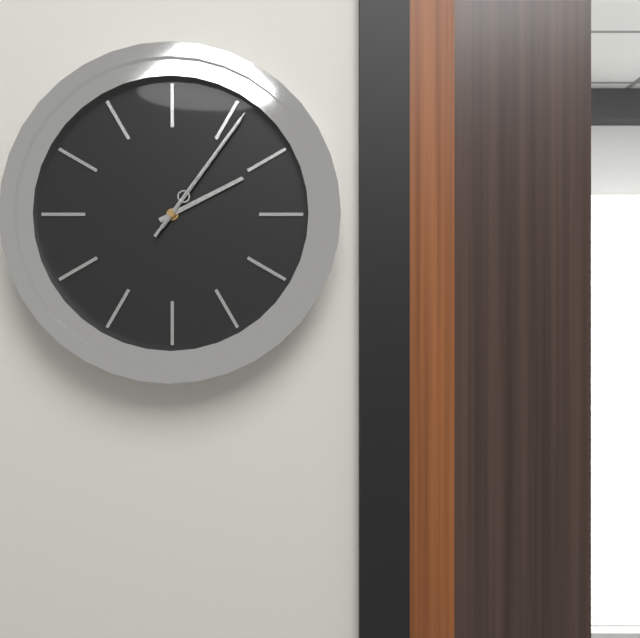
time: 2:06:06
